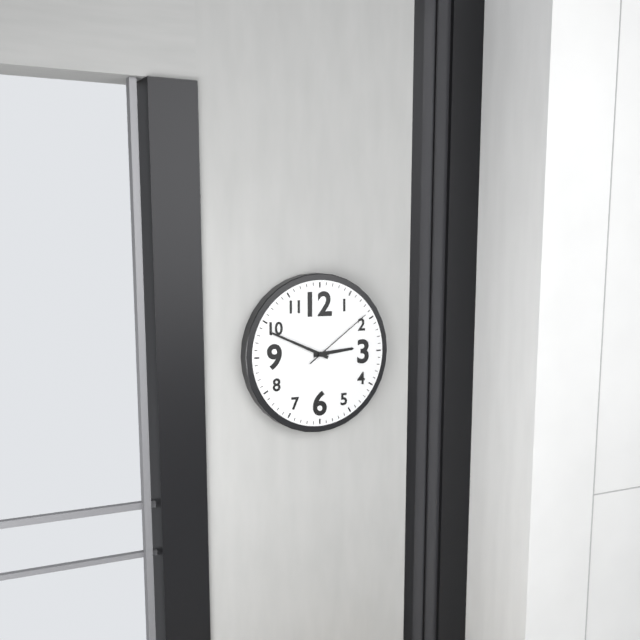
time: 2:49:09
